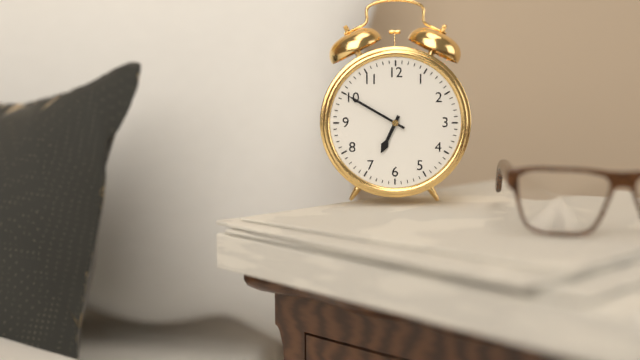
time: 6:50
